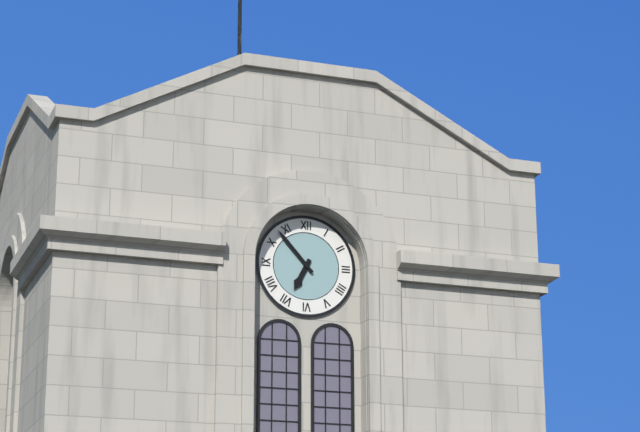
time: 6:53
